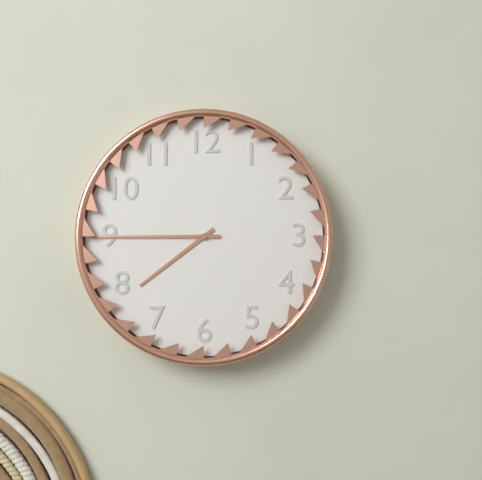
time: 7:45
